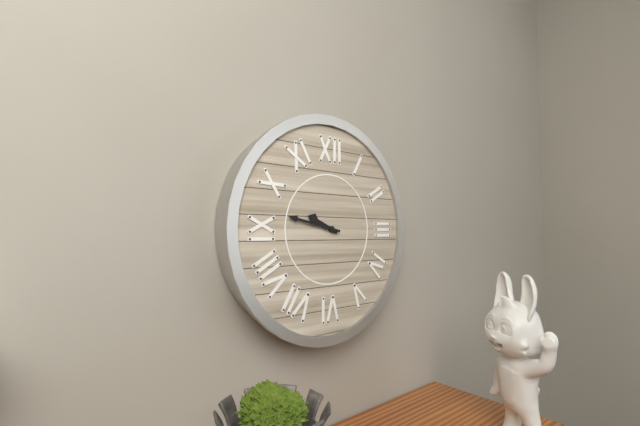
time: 9:47
